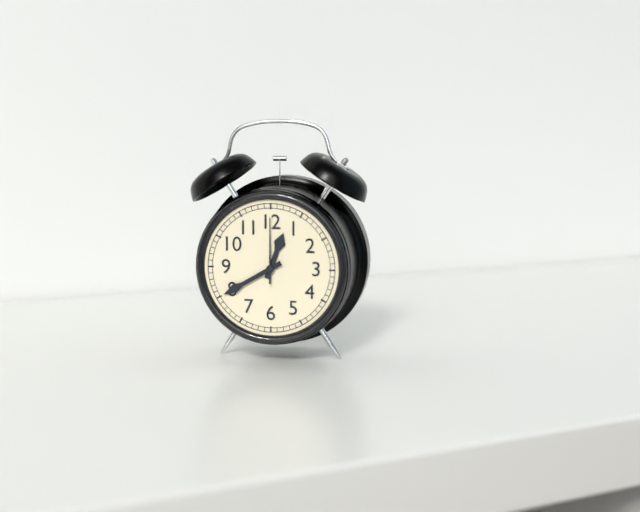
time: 12:40:00
